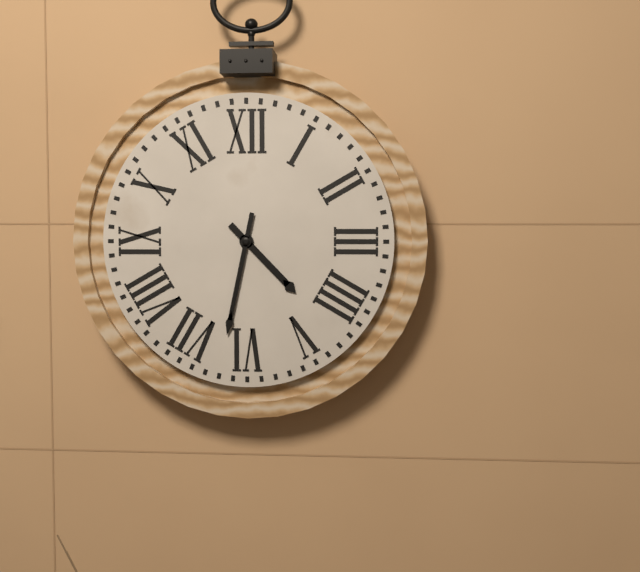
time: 4:32
